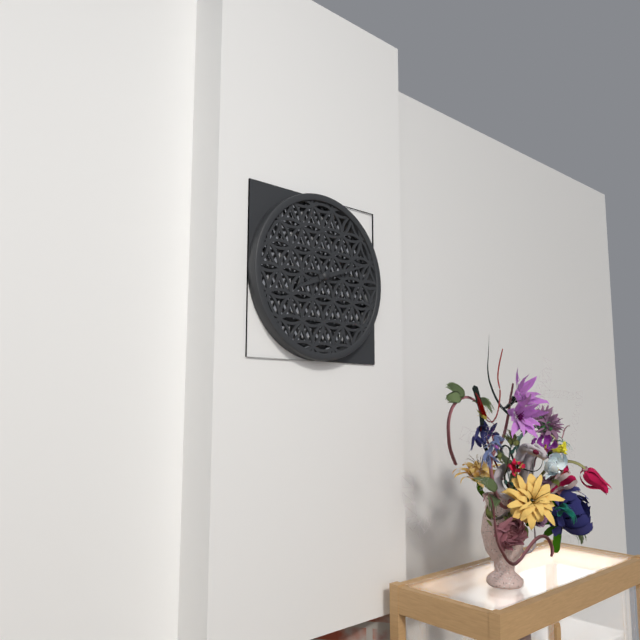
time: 8:12
